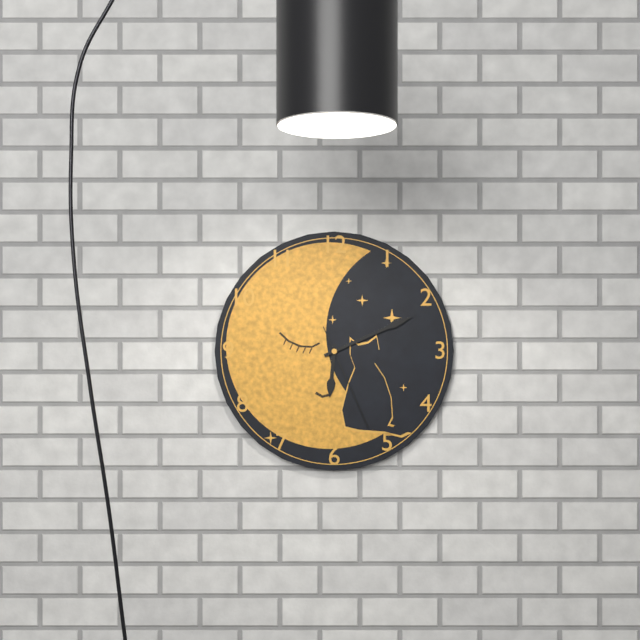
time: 6:11:26
